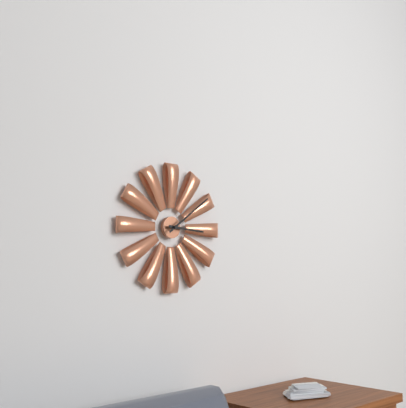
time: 3:09
